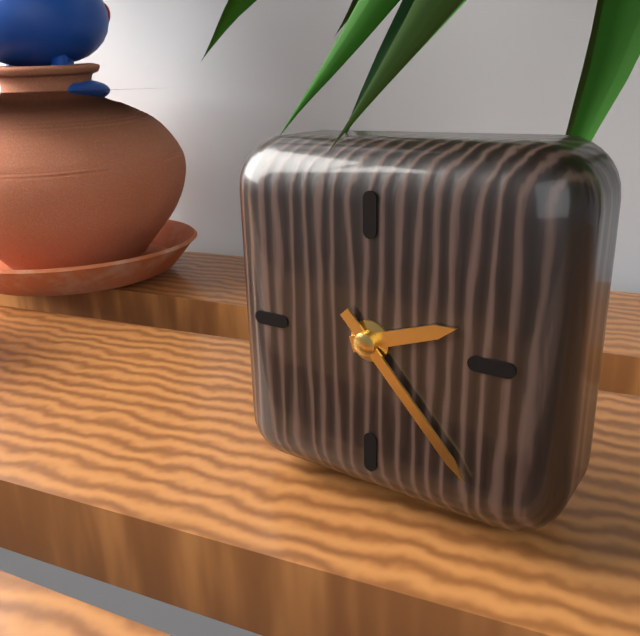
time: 2:23
